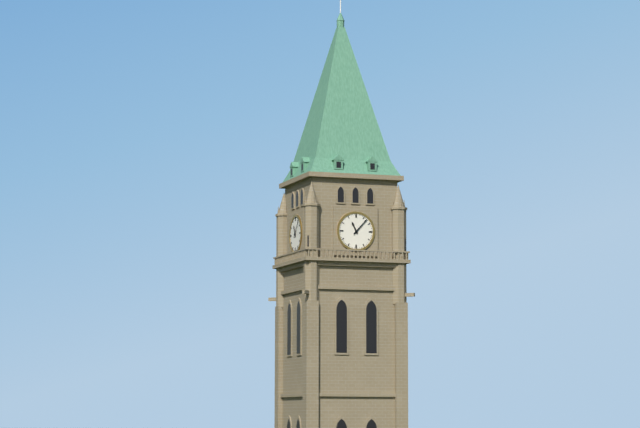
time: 11:07
